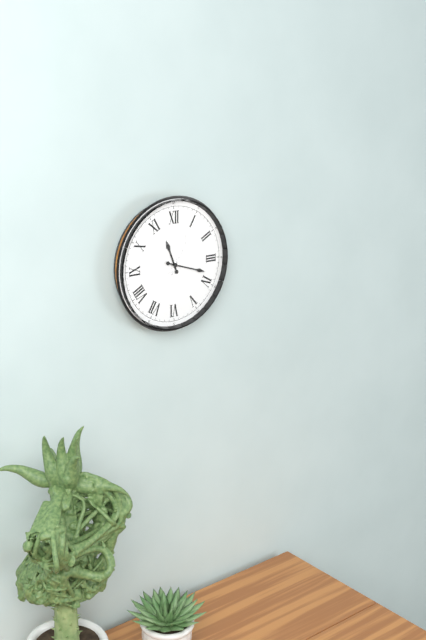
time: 11:18:05
